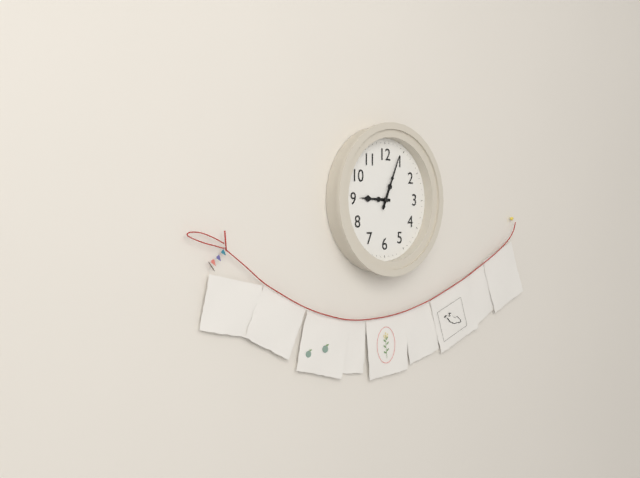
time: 9:04
